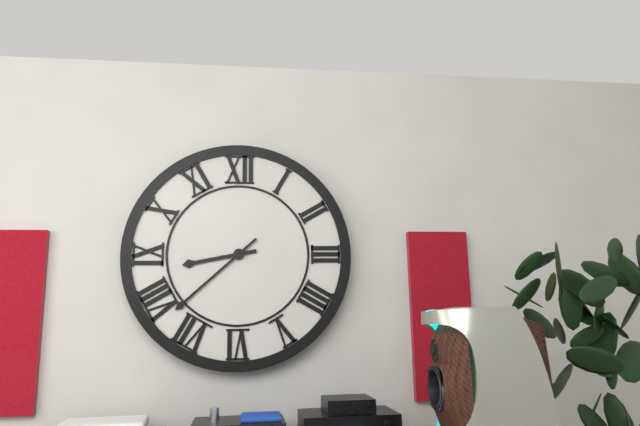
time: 8:38
